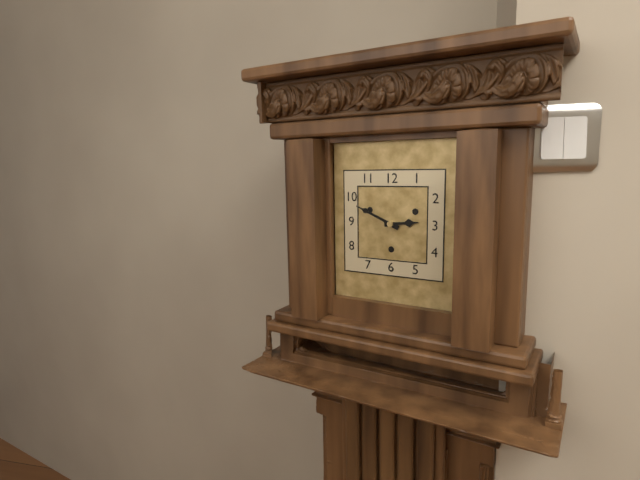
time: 2:49
